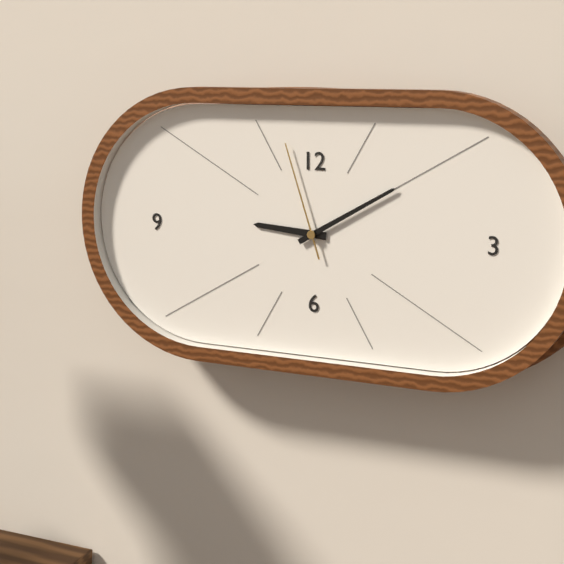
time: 9:10:57
